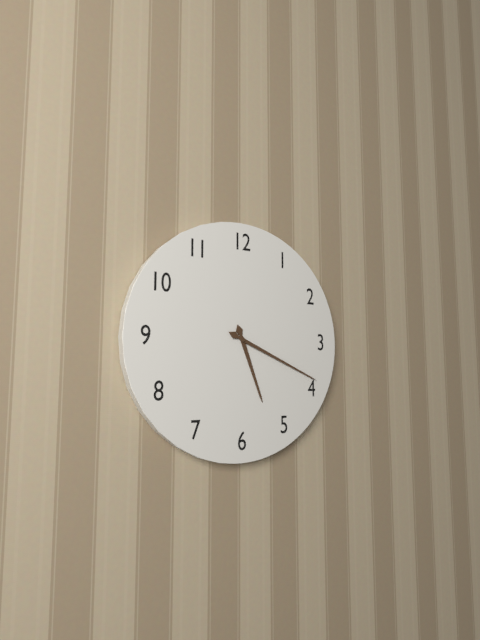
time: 5:19
